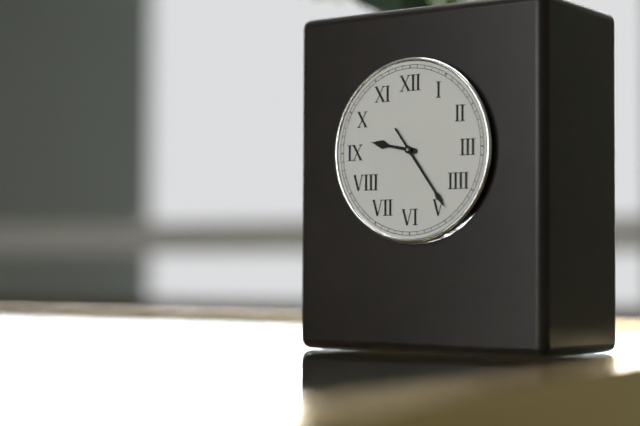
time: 9:24
